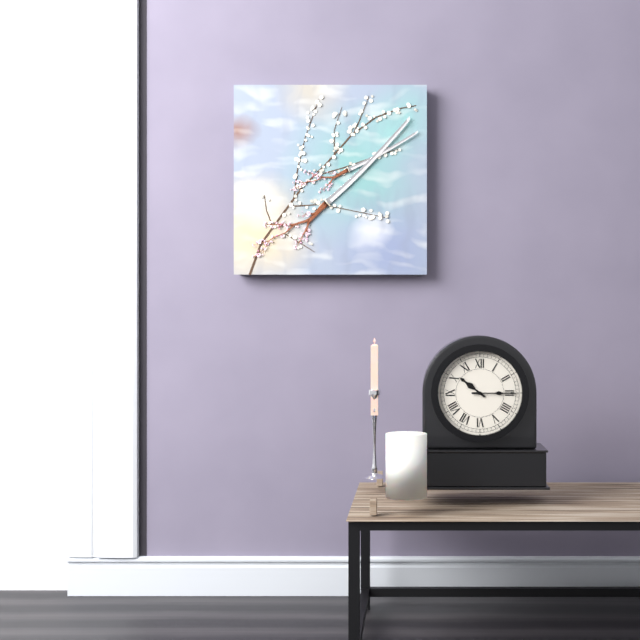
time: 10:15
